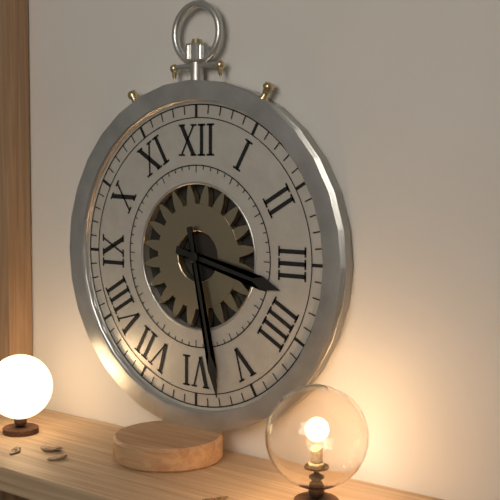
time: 3:28
